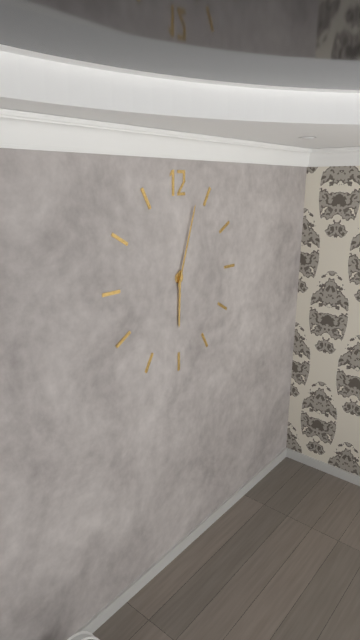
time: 6:03
